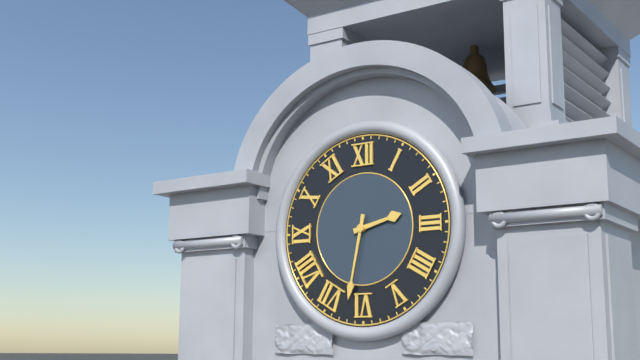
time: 2:32
